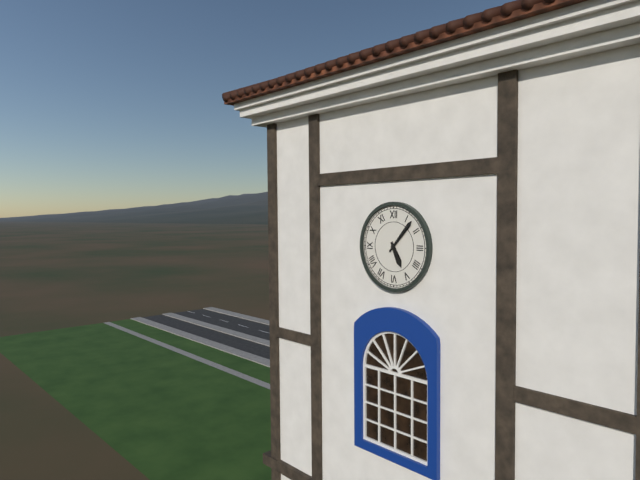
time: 5:07
